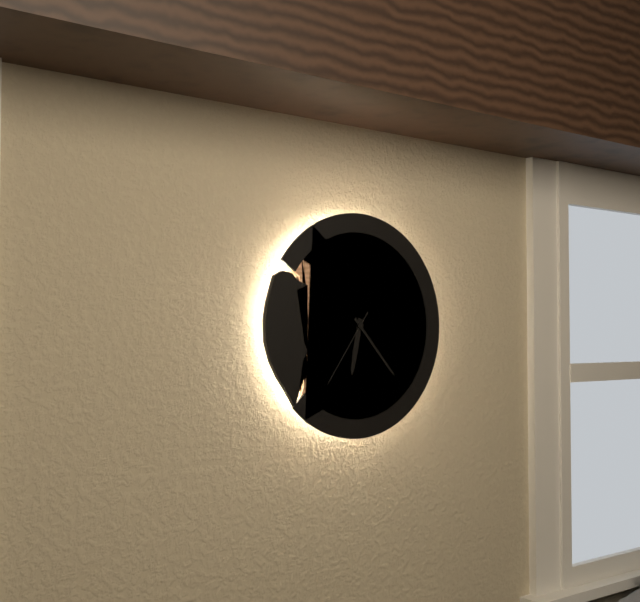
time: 6:23:36
